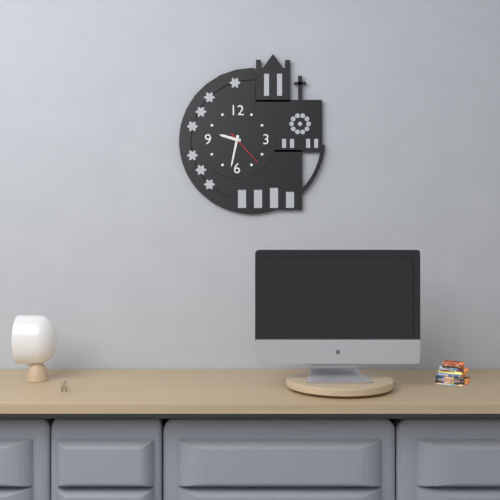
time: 9:32
